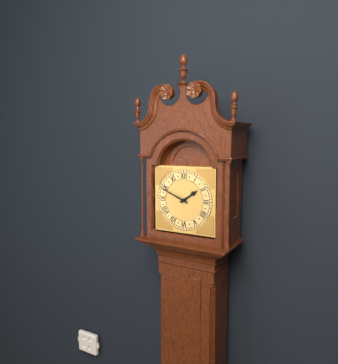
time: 1:49
